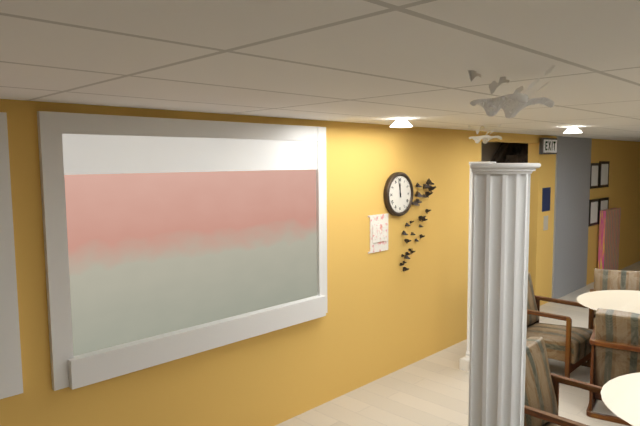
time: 11:58
